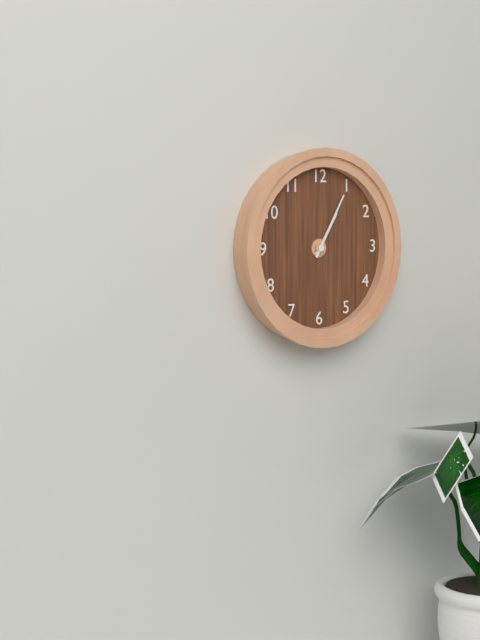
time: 1:05
